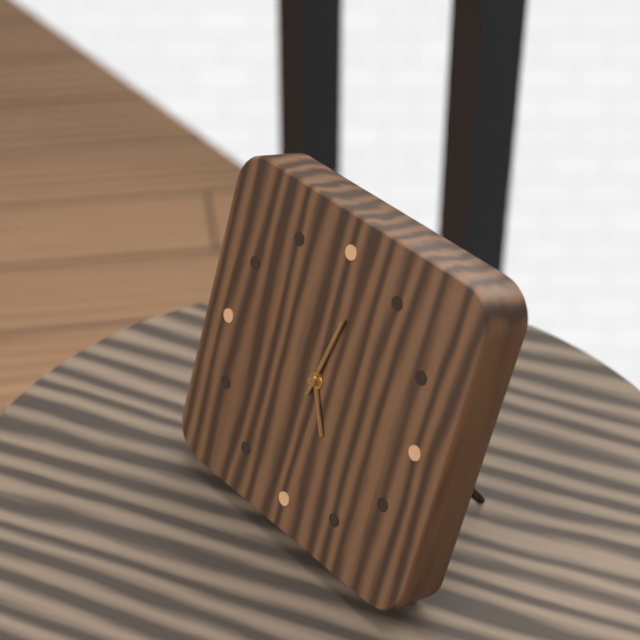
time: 5:02
